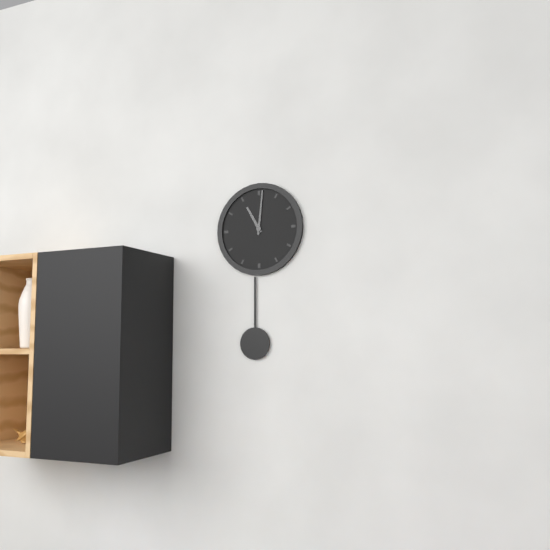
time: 11:01
